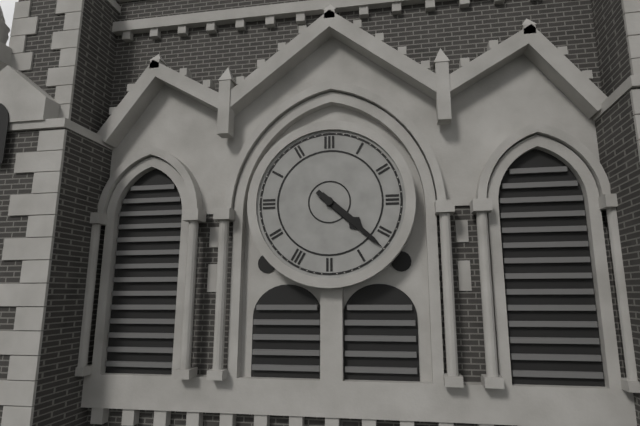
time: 4:22
